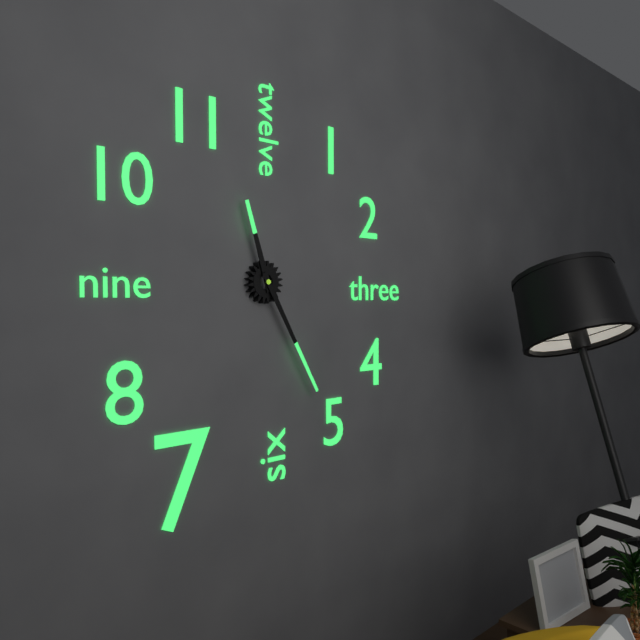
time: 11:25
